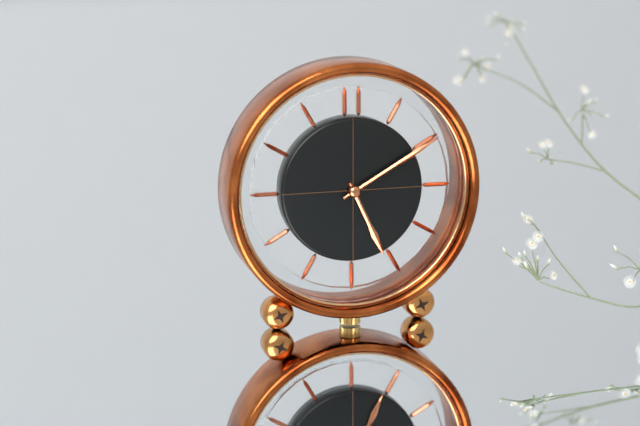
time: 5:10
